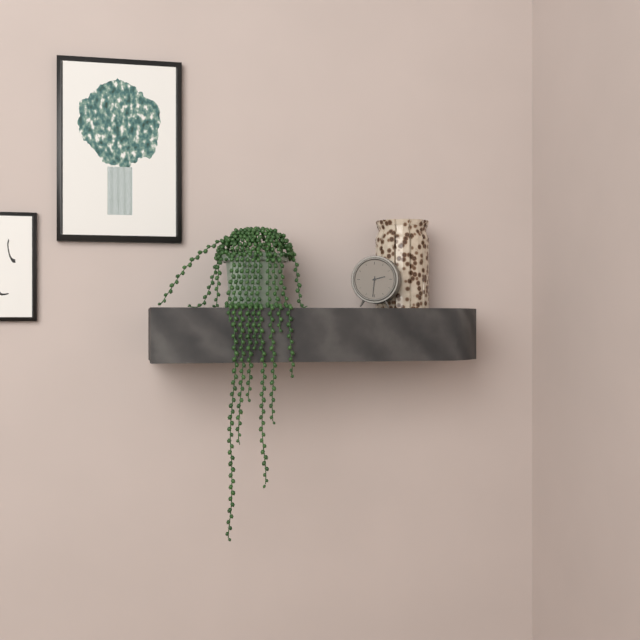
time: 2:31
